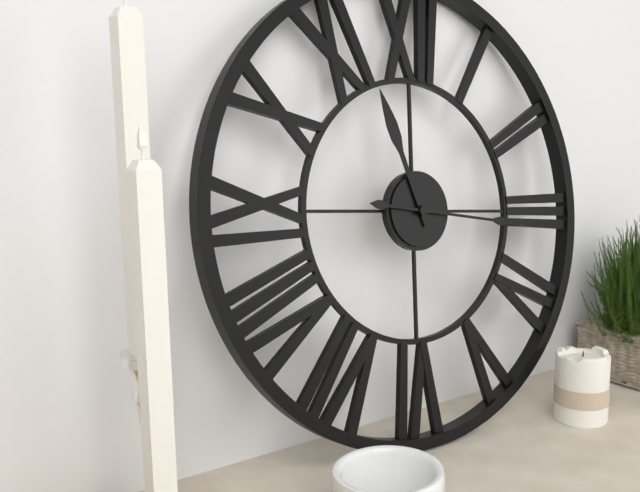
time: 11:16
